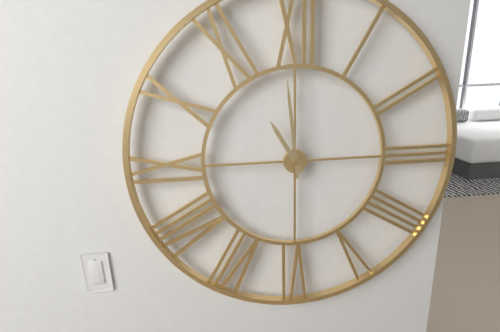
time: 10:59
